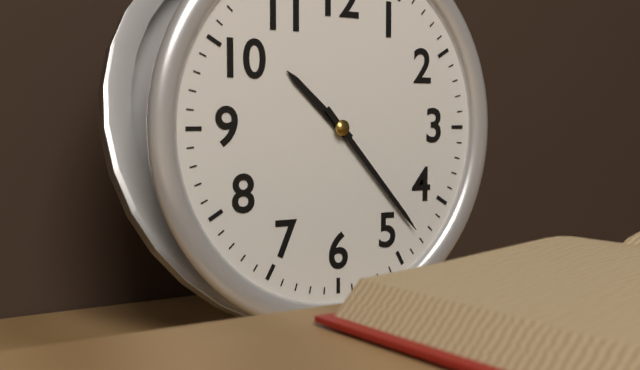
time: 10:23
